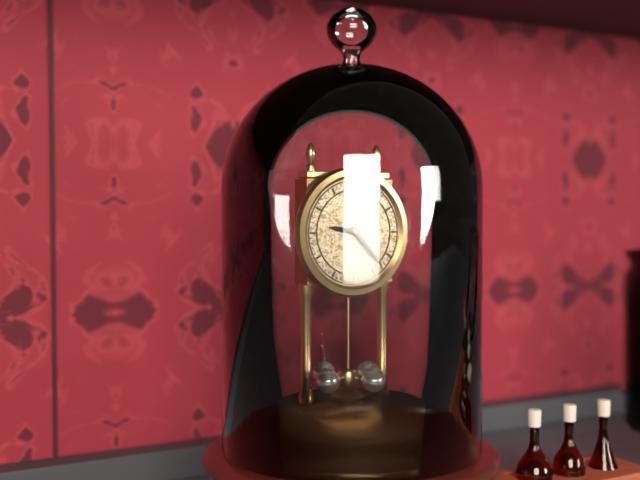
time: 9:23
